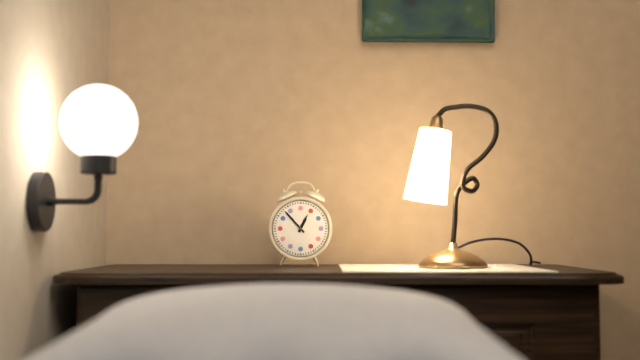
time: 12:53
